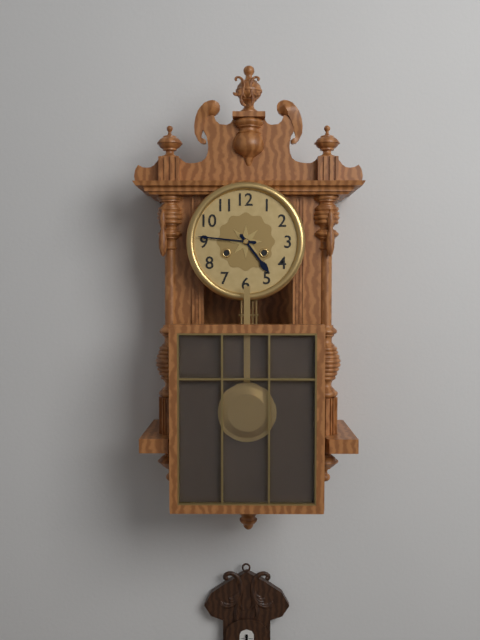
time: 4:46
